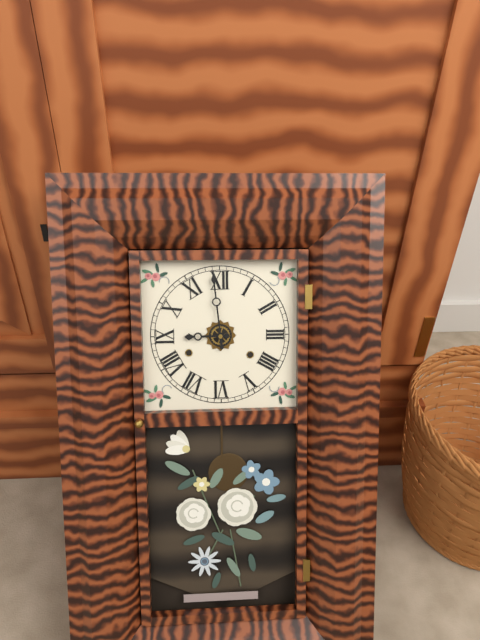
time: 8:59
